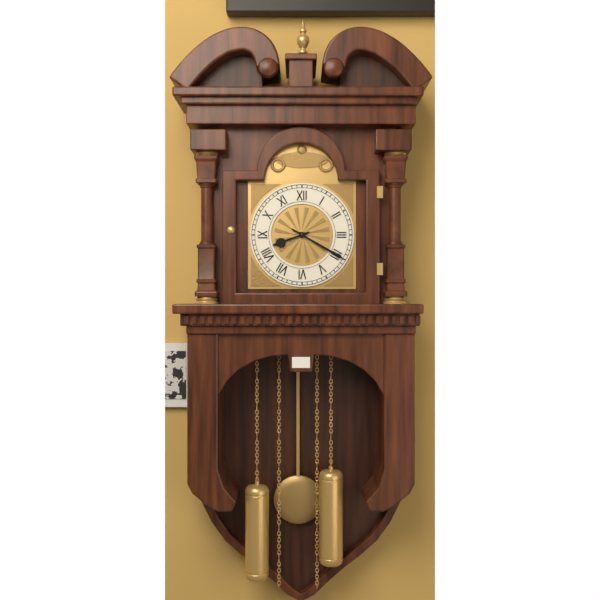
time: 8:20
